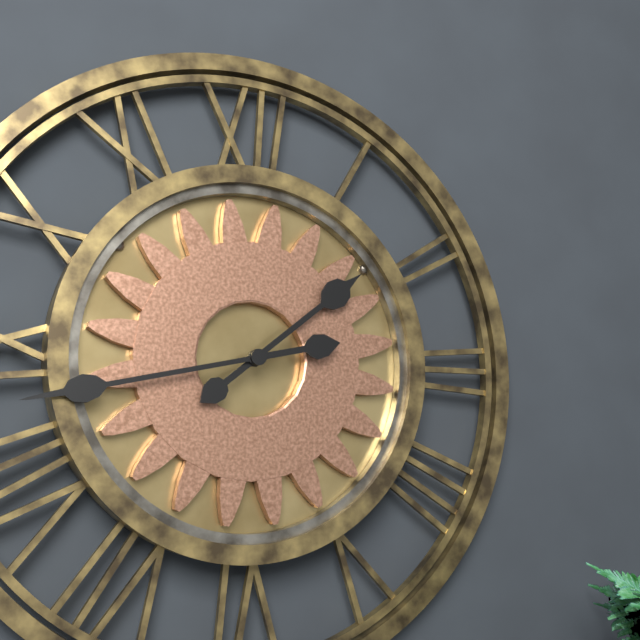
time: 1:43
